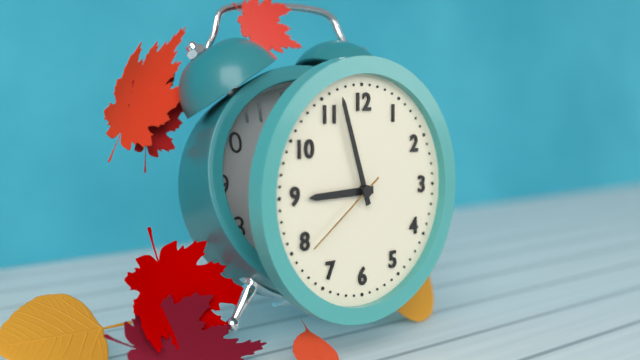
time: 8:57:39
